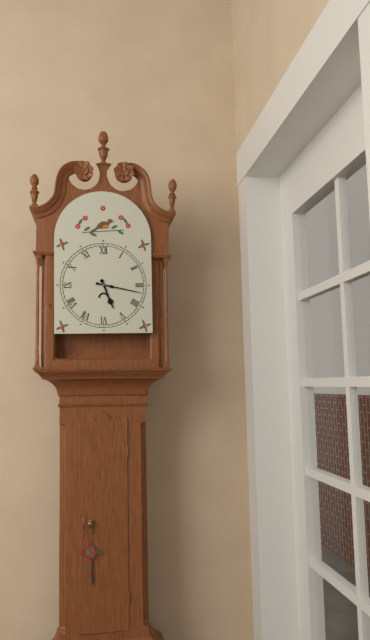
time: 5:17
